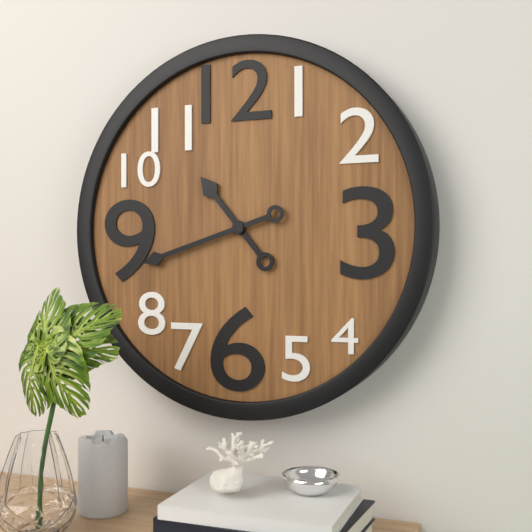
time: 10:42
